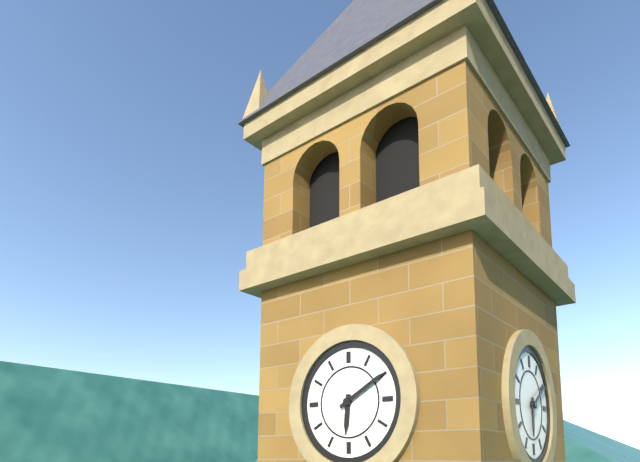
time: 6:10
